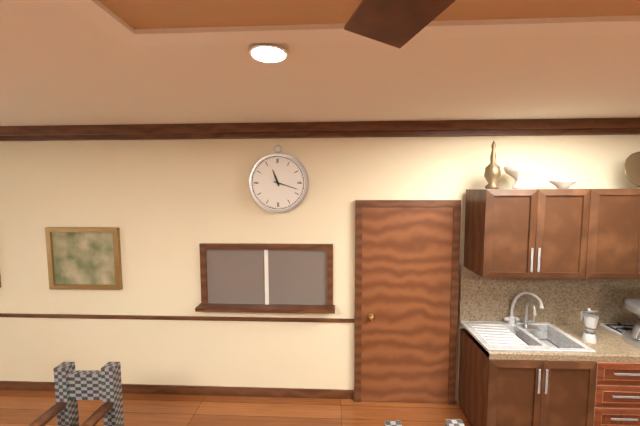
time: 11:18
